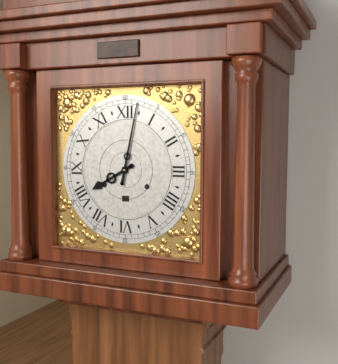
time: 8:02
